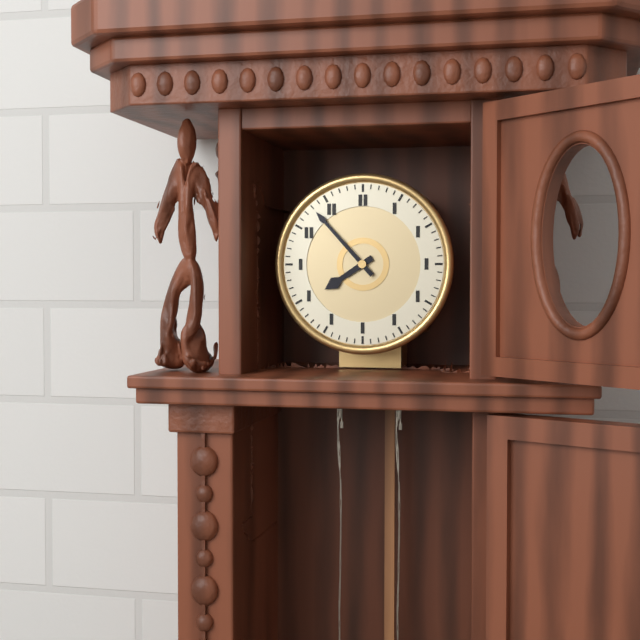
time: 7:53
